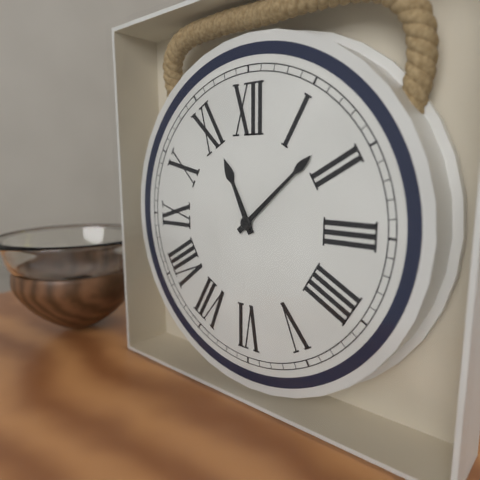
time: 11:08
